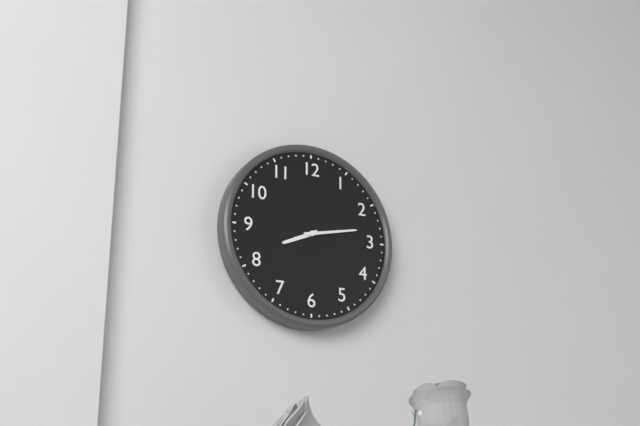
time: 8:13
